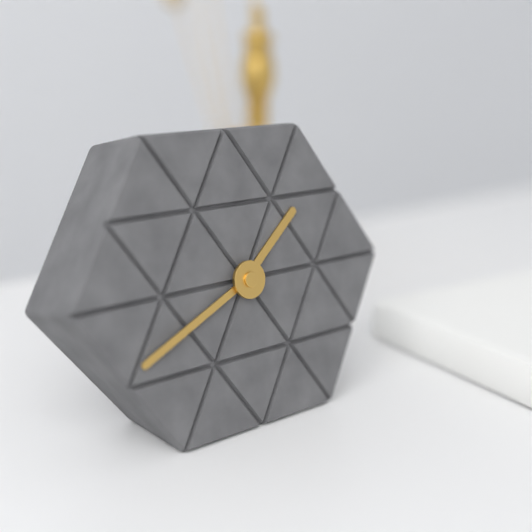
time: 1:41
